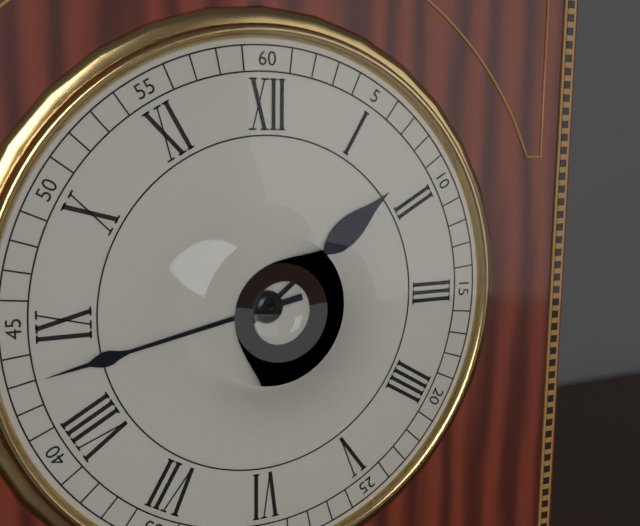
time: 1:43
